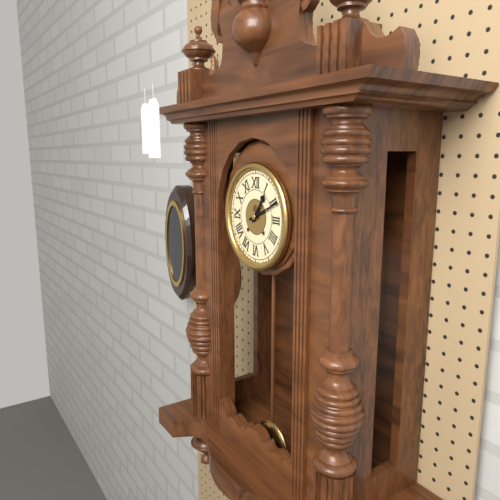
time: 1:11
